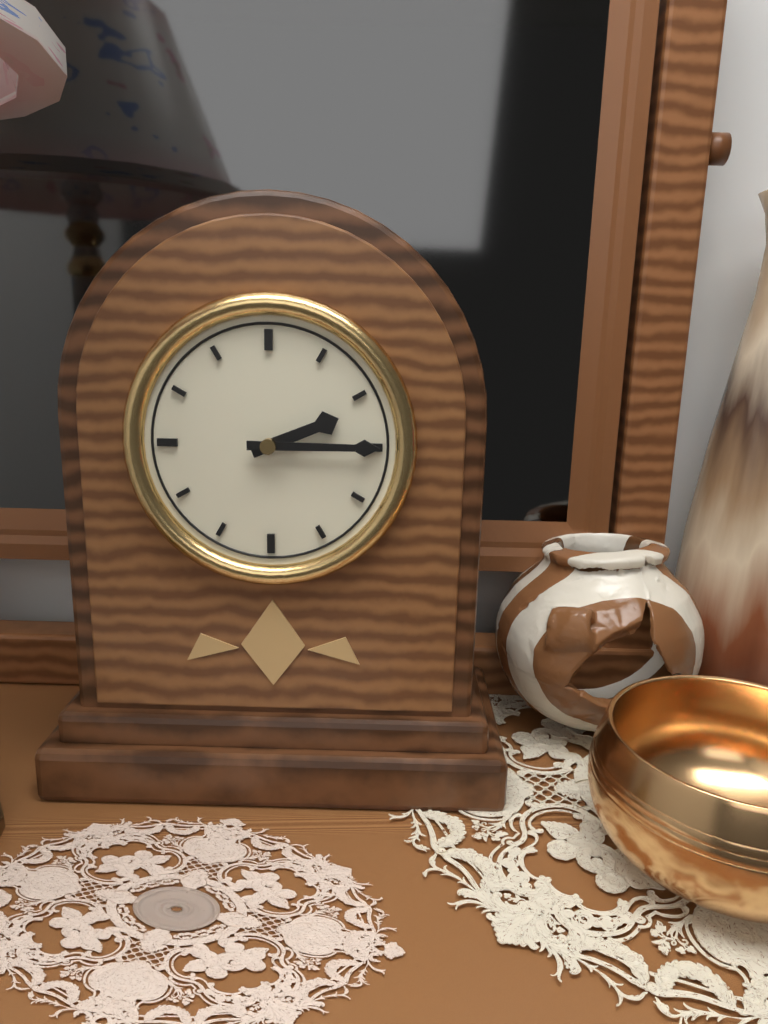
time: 2:15
